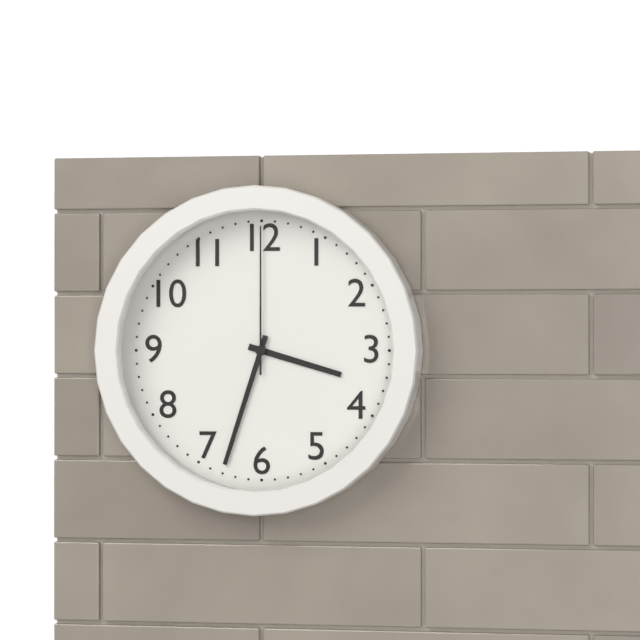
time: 3:33:00
